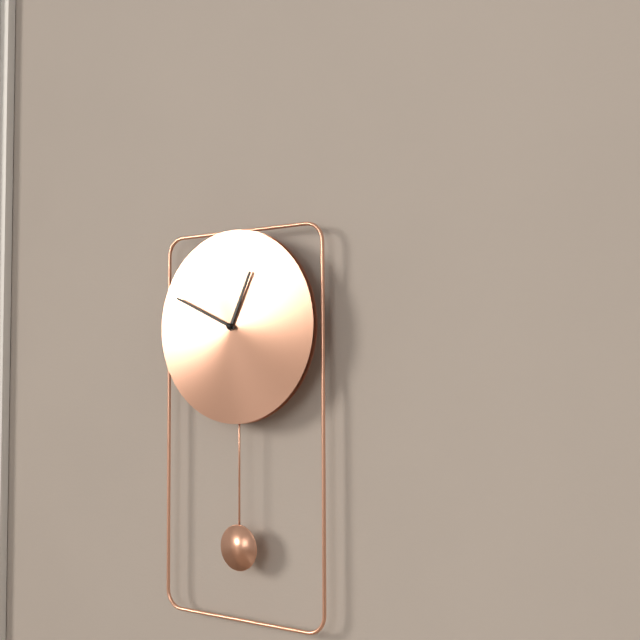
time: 12:49
